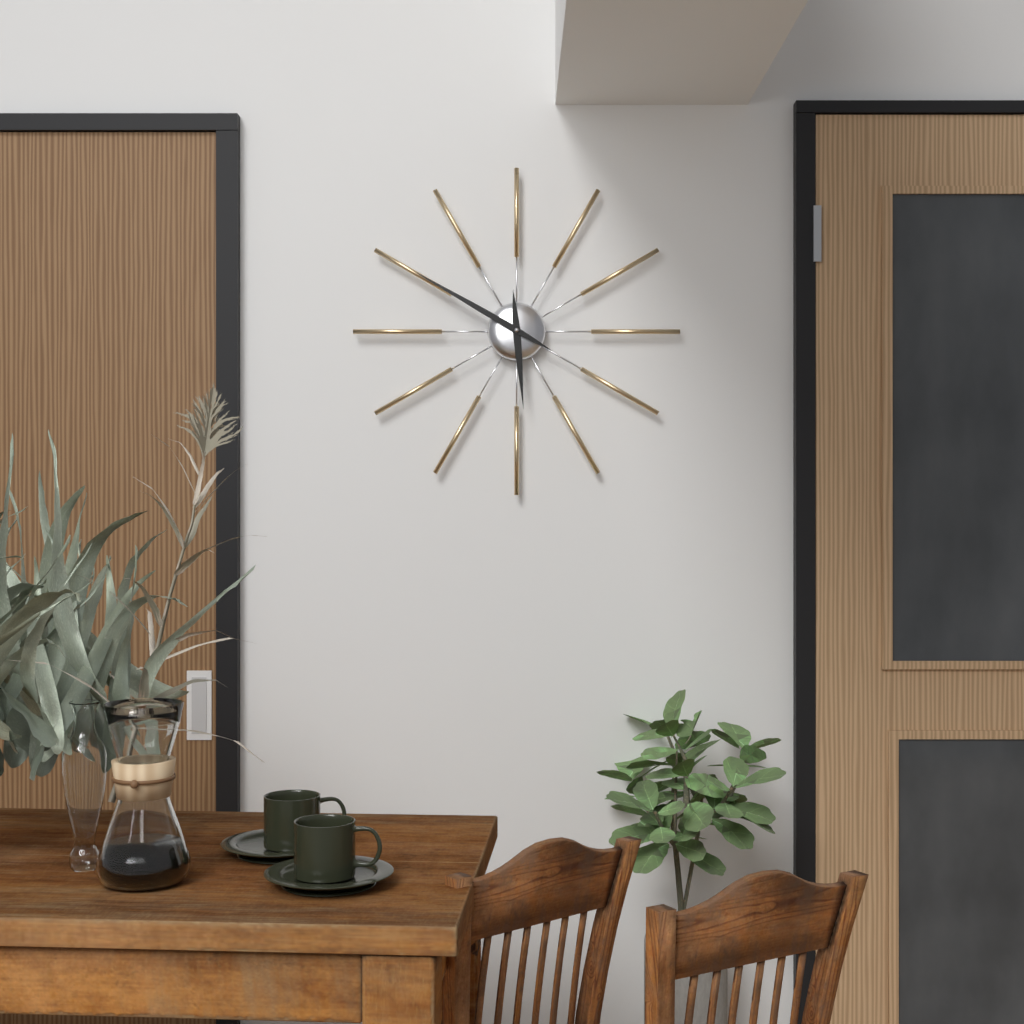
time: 5:50
